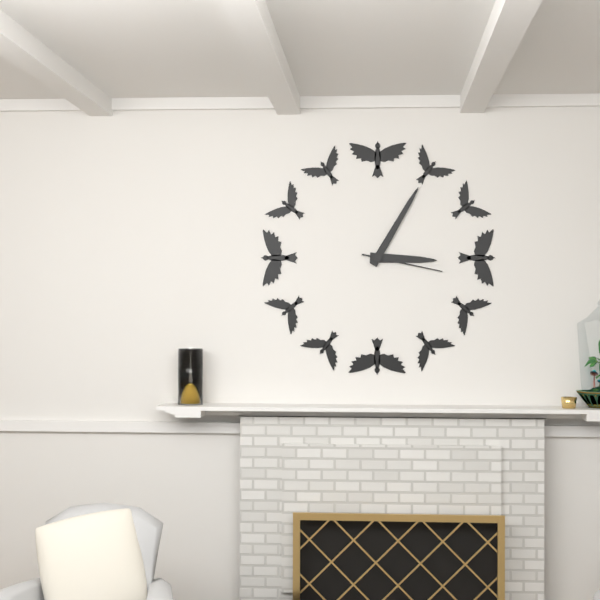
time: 3:05:17
